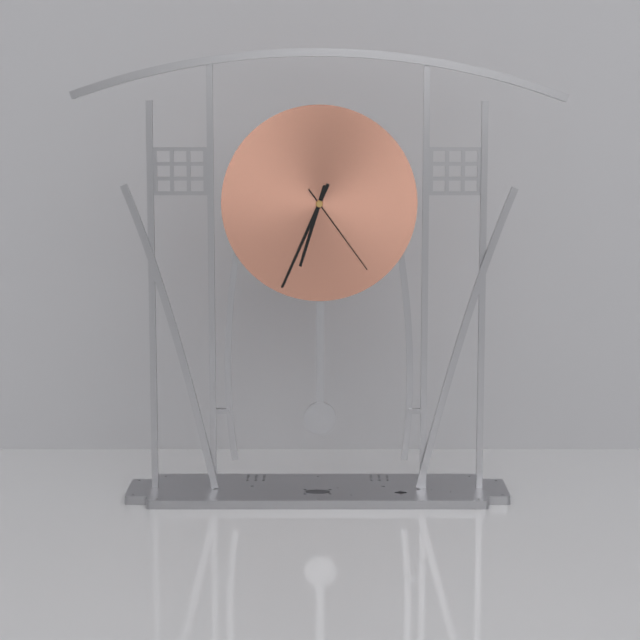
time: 6:34:24
